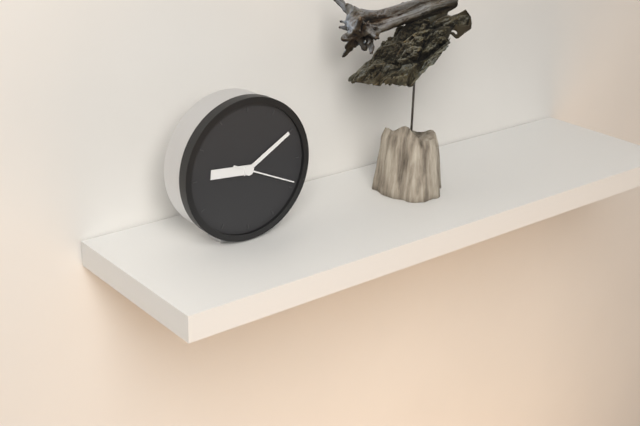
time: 9:10:19
